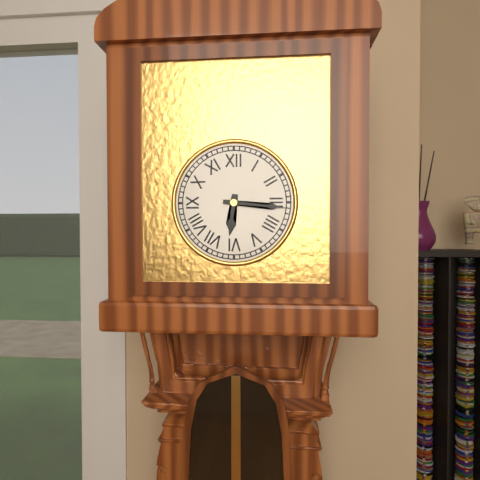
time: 6:16
